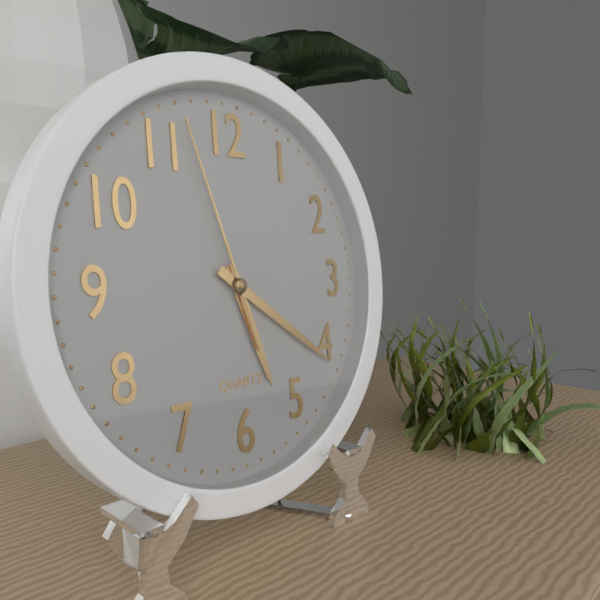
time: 5:21:57
